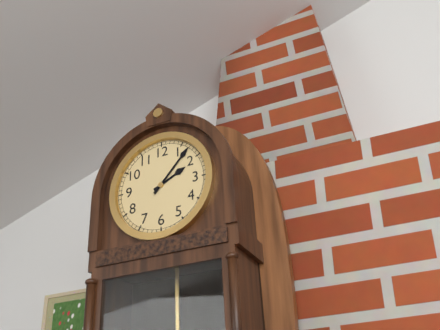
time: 2:07
